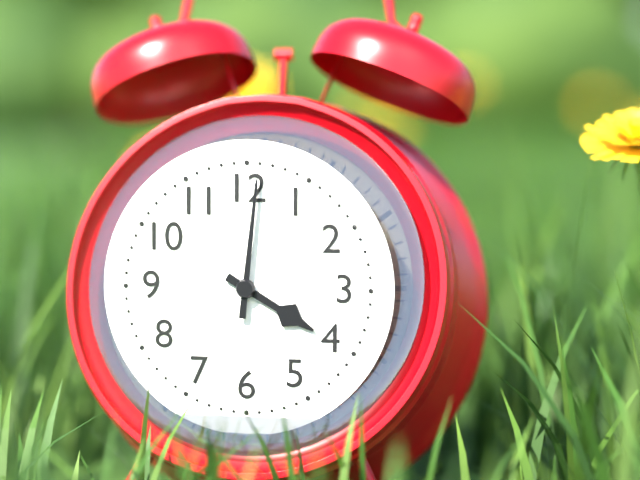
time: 4:01
